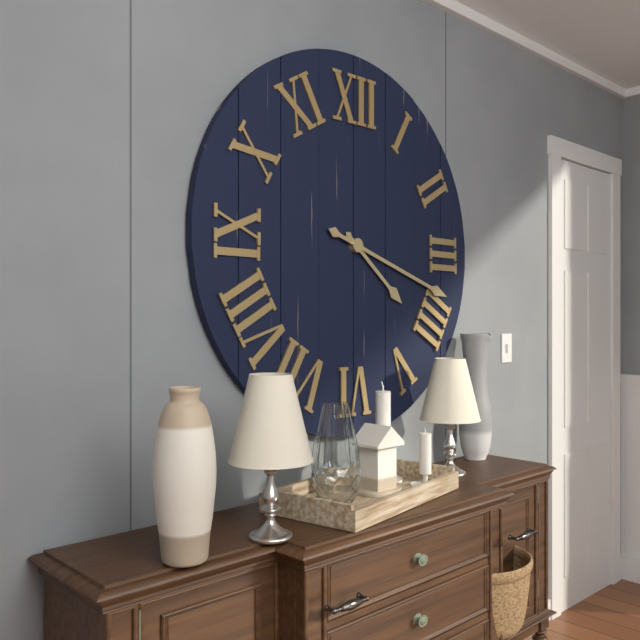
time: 4:18
